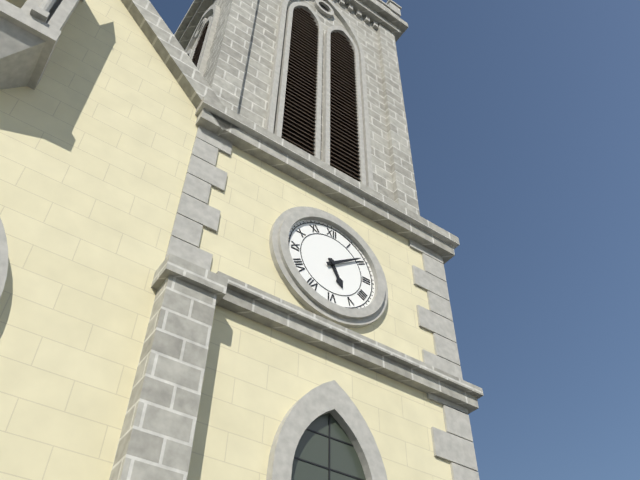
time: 5:09
